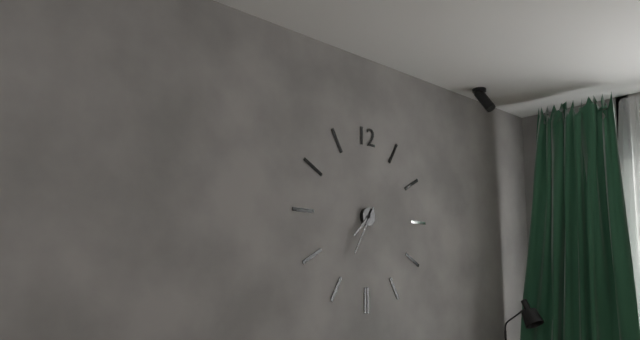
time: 7:35
